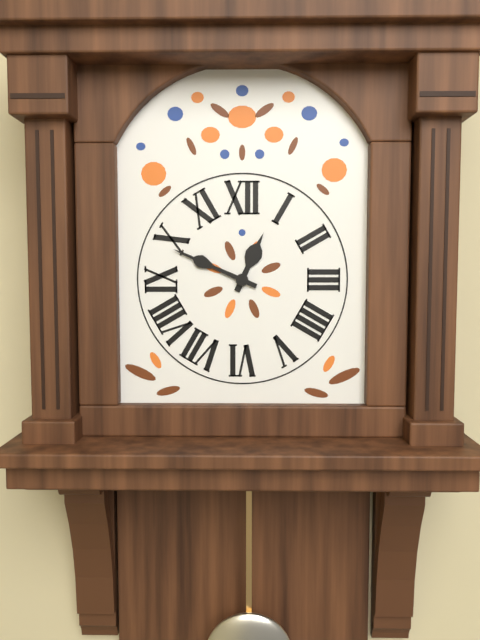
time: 12:49
